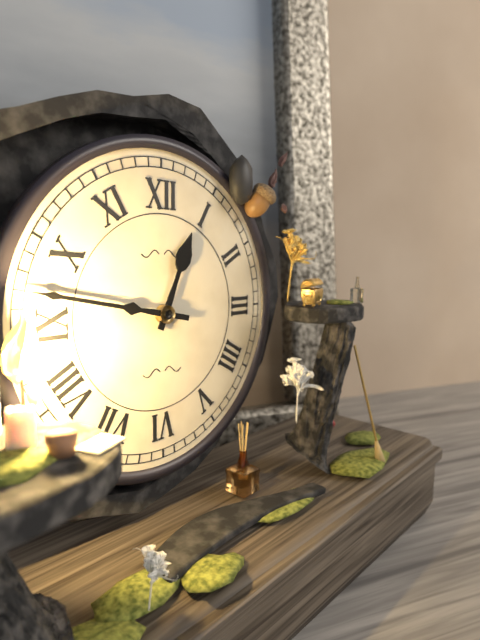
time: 12:47
